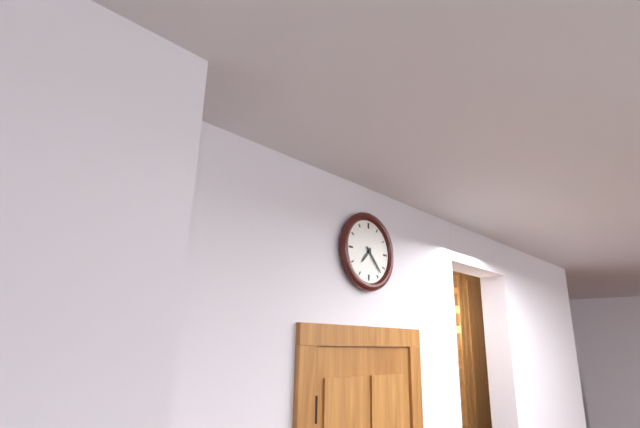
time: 7:23
